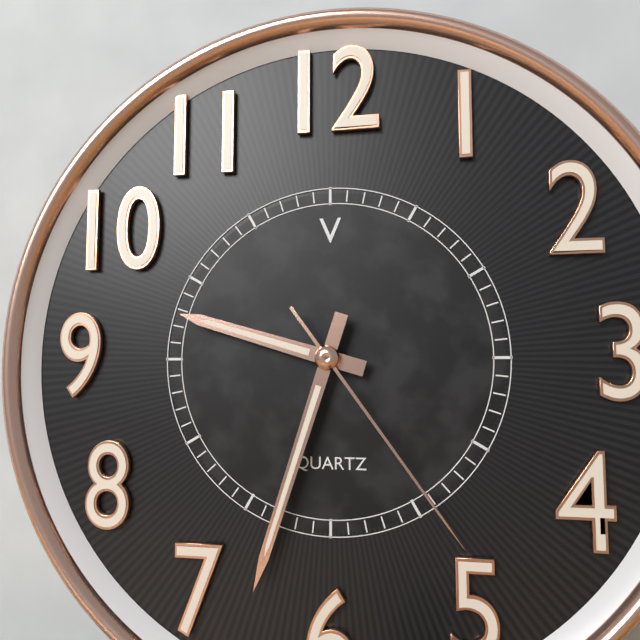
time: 9:33:24
